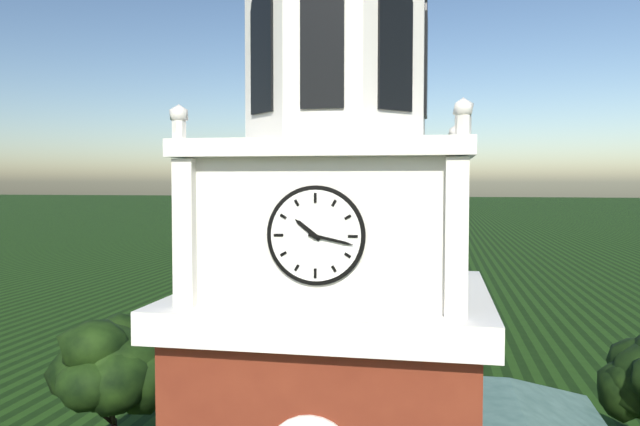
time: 10:17
